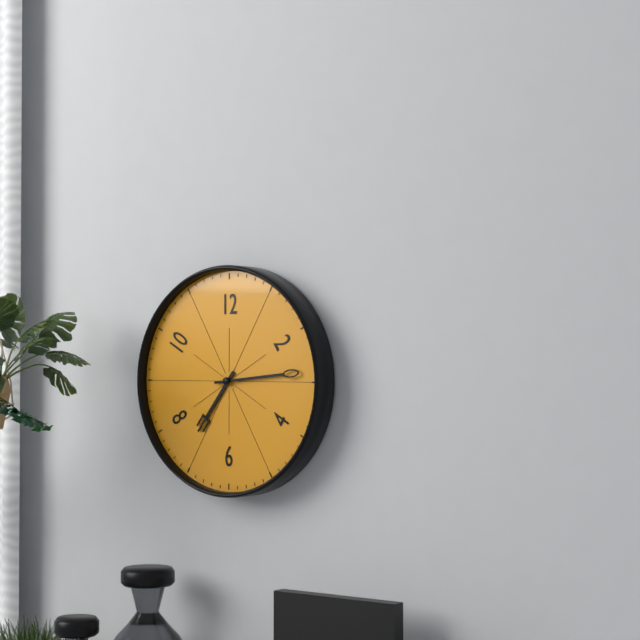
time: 7:14
